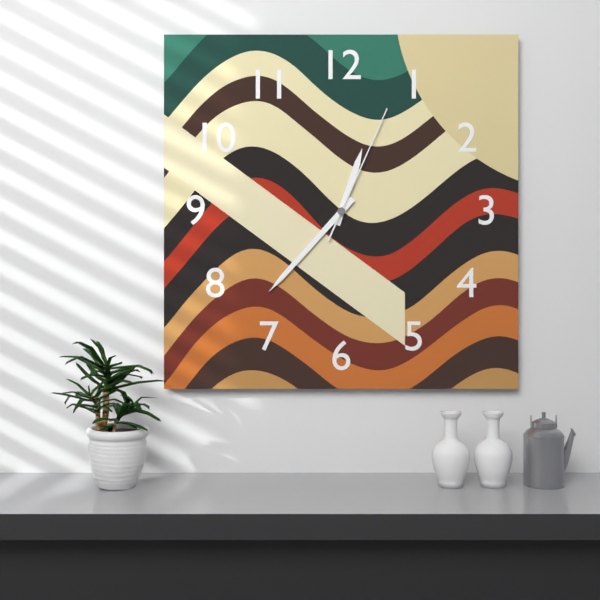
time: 12:37:04
